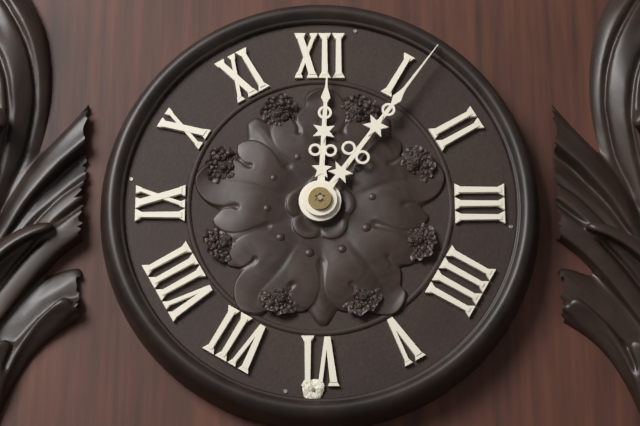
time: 12:06
